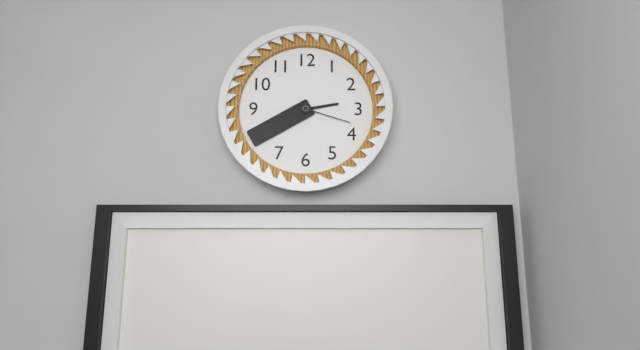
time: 2:40:18
